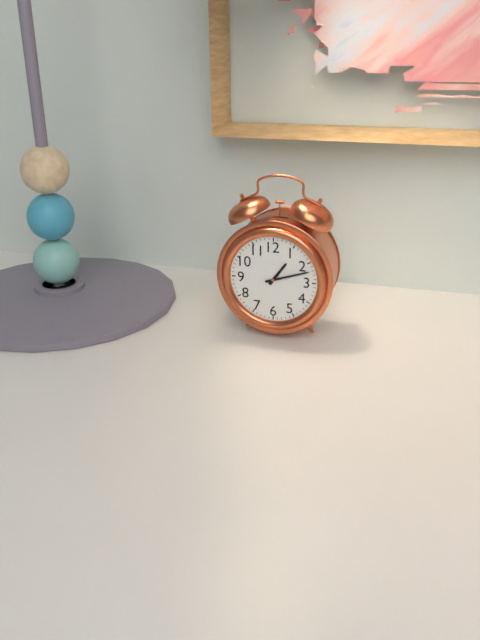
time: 1:12
